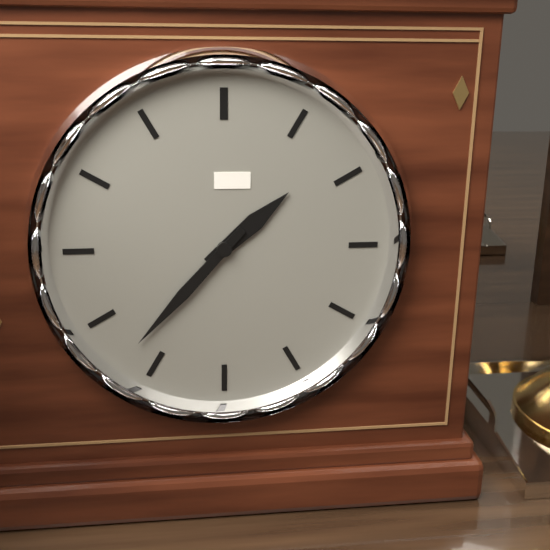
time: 1:37
